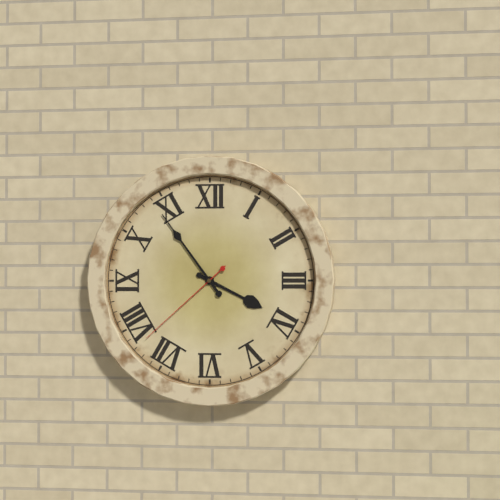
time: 3:54:38
